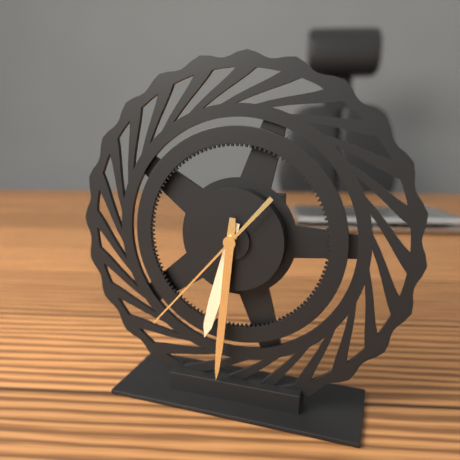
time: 6:31:37
